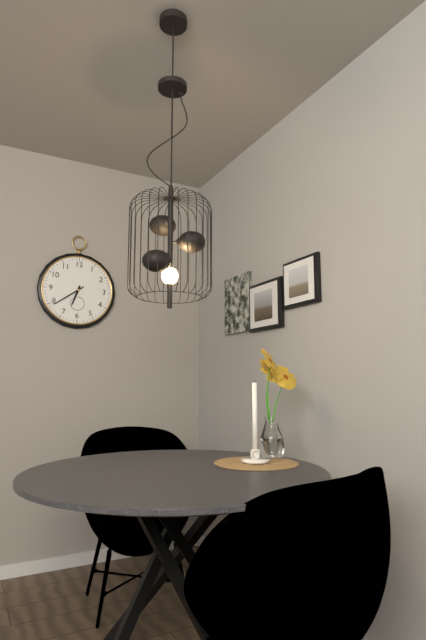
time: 6:39
